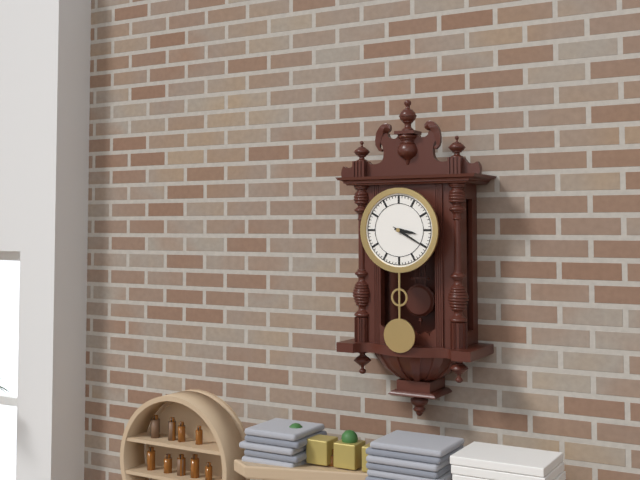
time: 3:20
